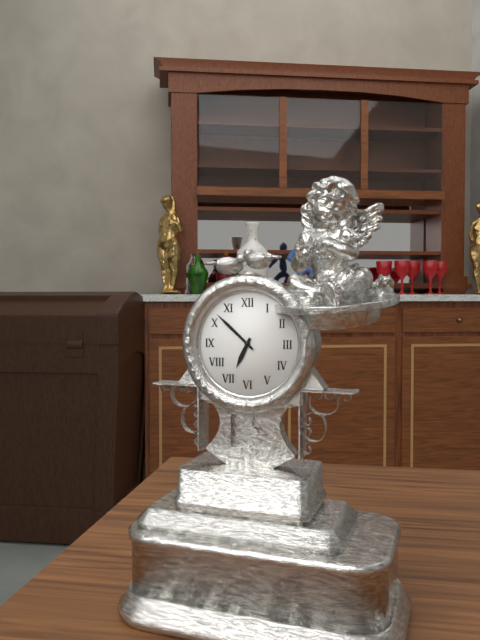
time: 6:52
